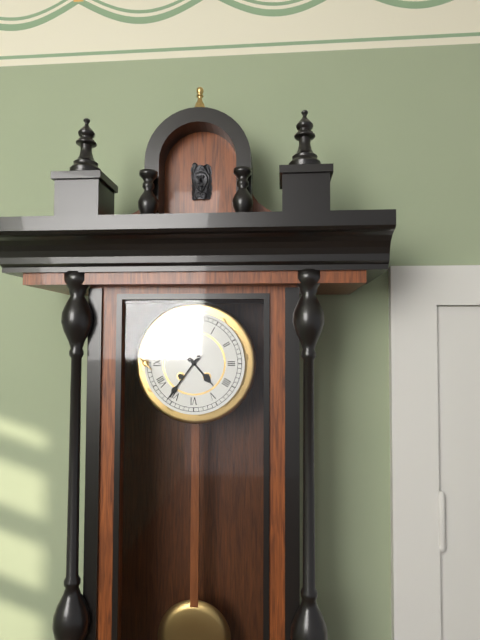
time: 4:36
